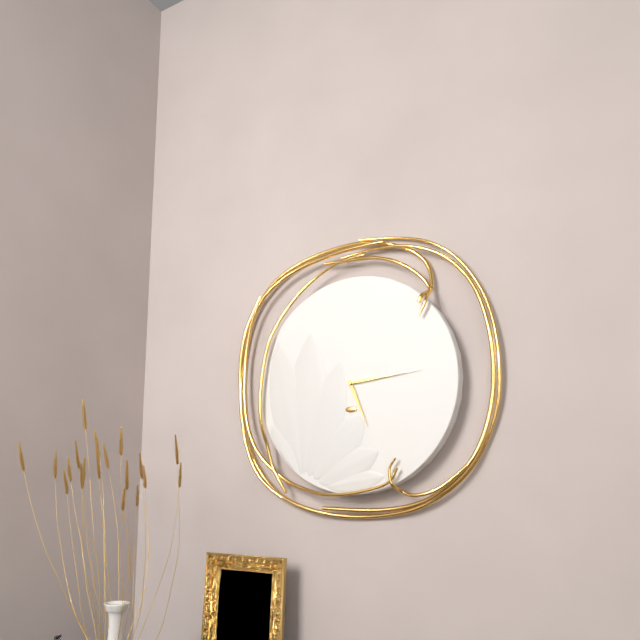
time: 5:14
